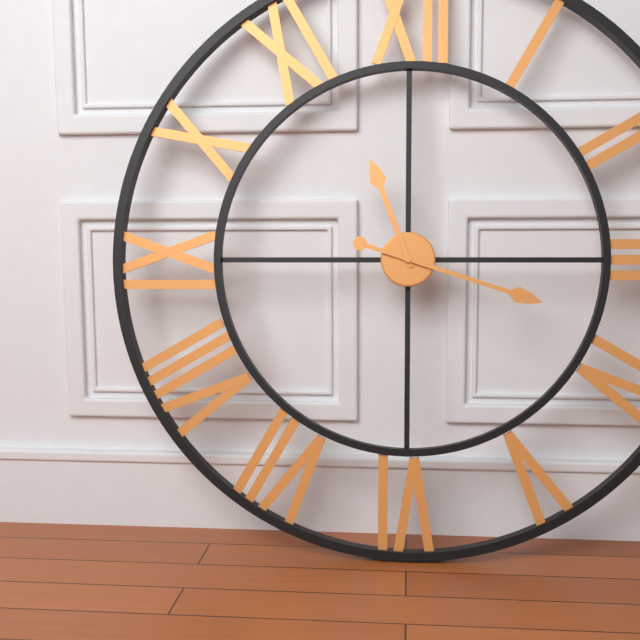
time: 11:18
